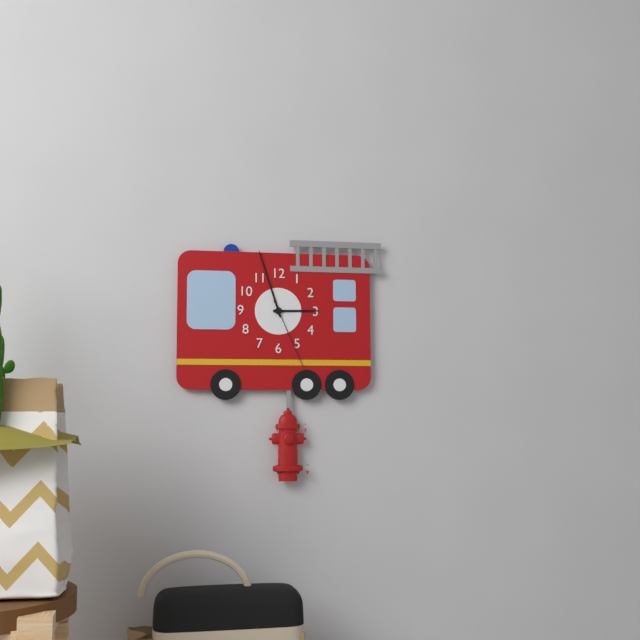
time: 2:57:26
